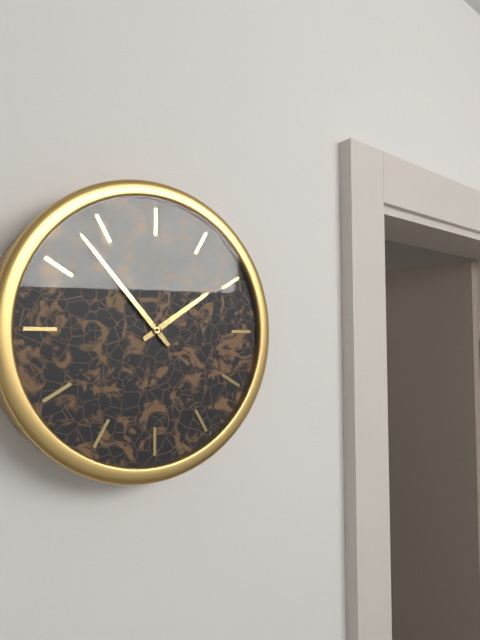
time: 1:53
